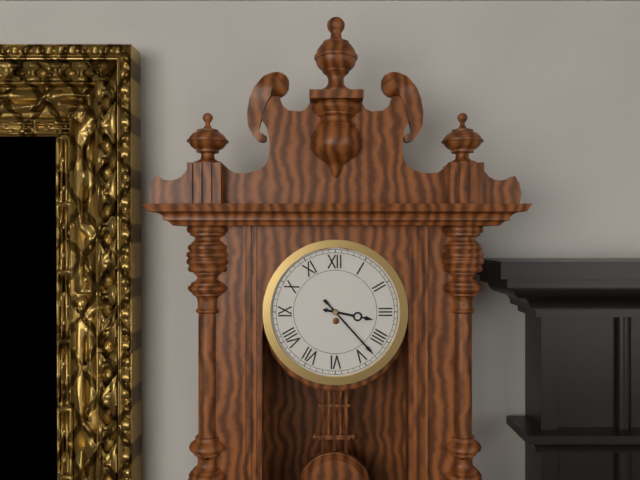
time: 3:23
